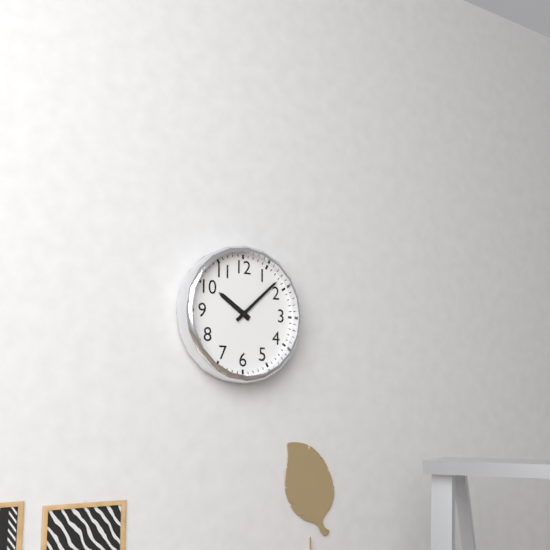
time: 10:08
